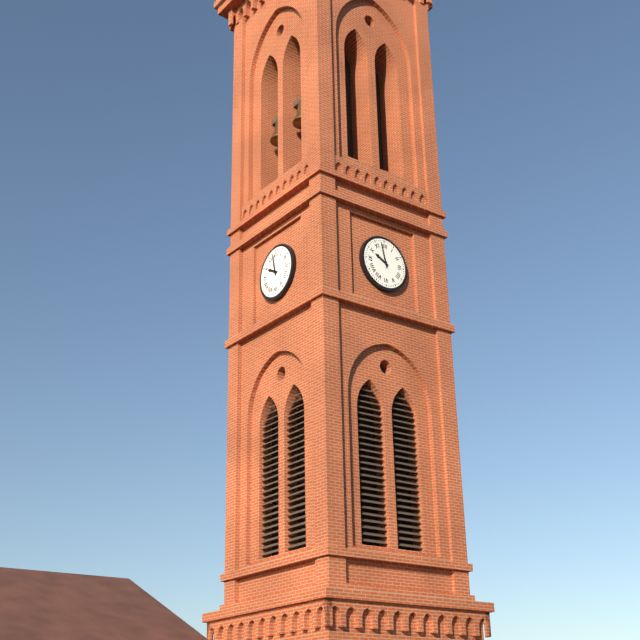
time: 9:58
